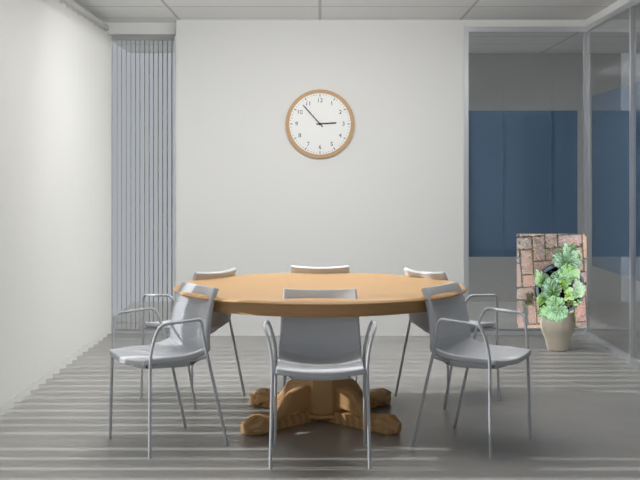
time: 2:53
